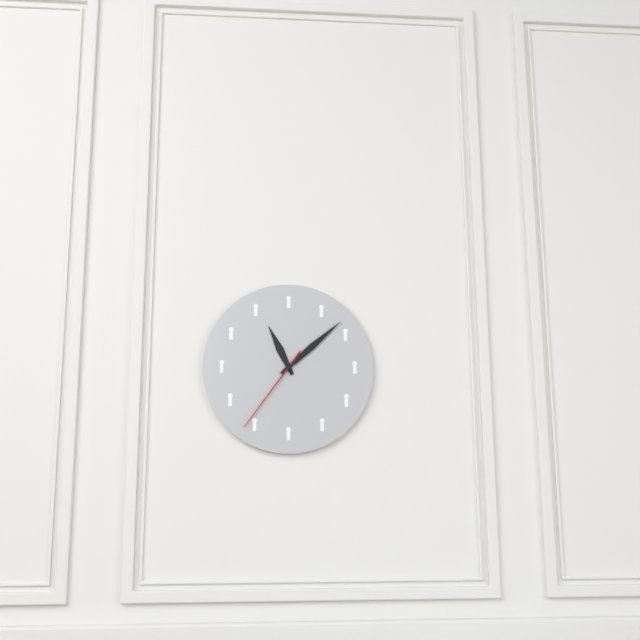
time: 11:08:36
